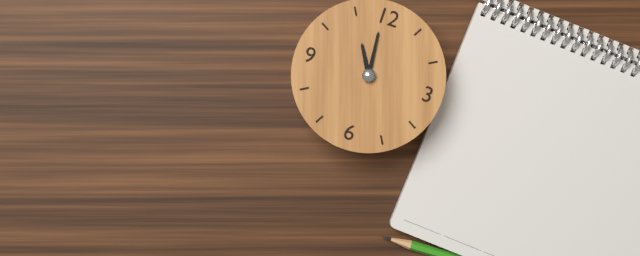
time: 10:59
